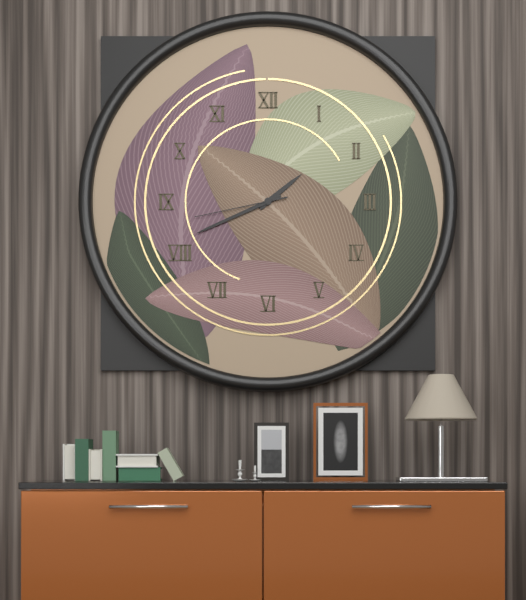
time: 1:41:43
